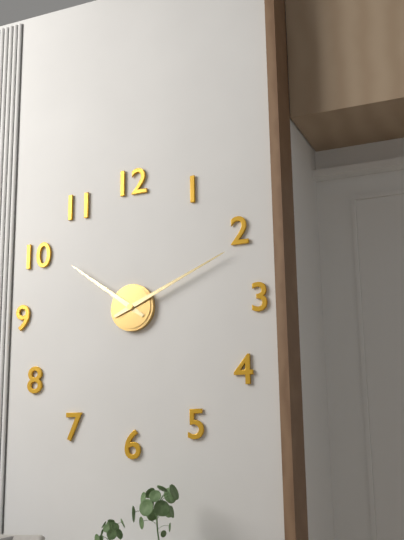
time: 10:11
